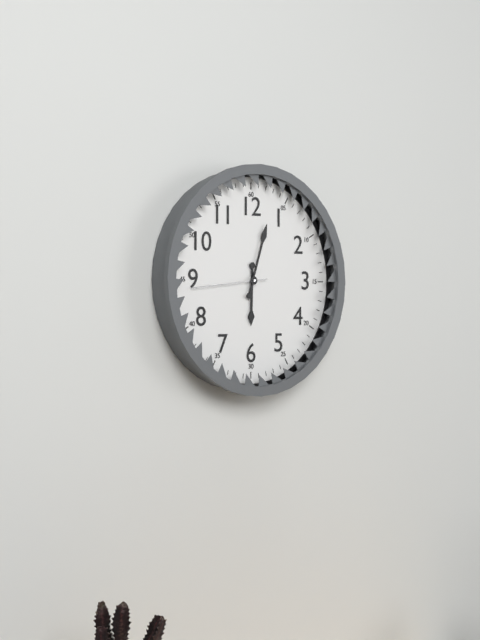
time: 6:03:44
